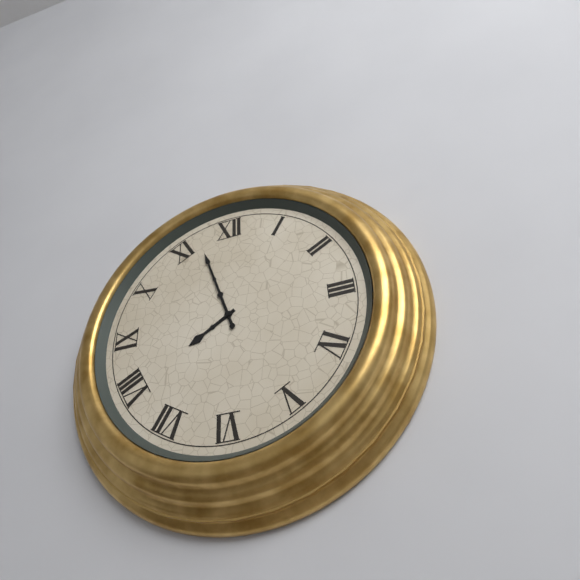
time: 7:57
